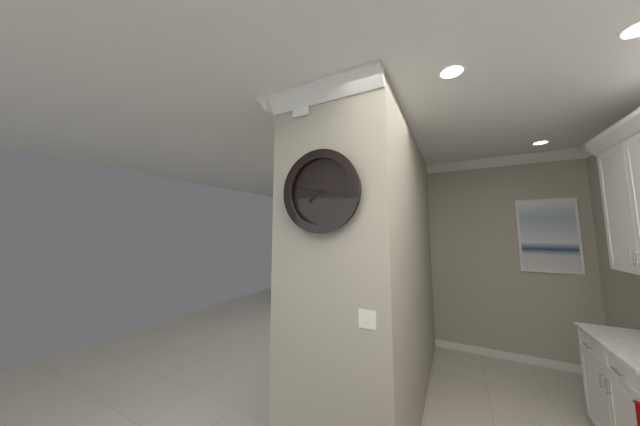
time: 7:47
